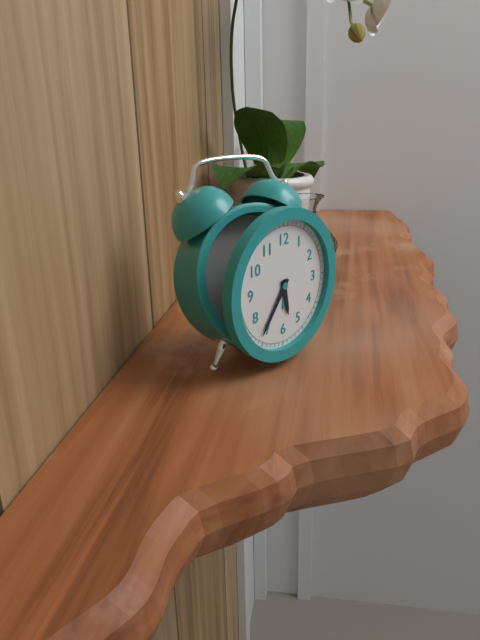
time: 5:36
